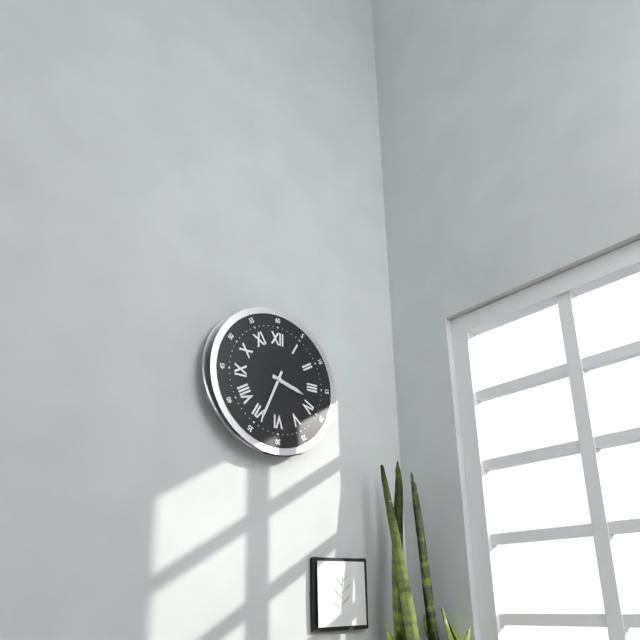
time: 3:34
